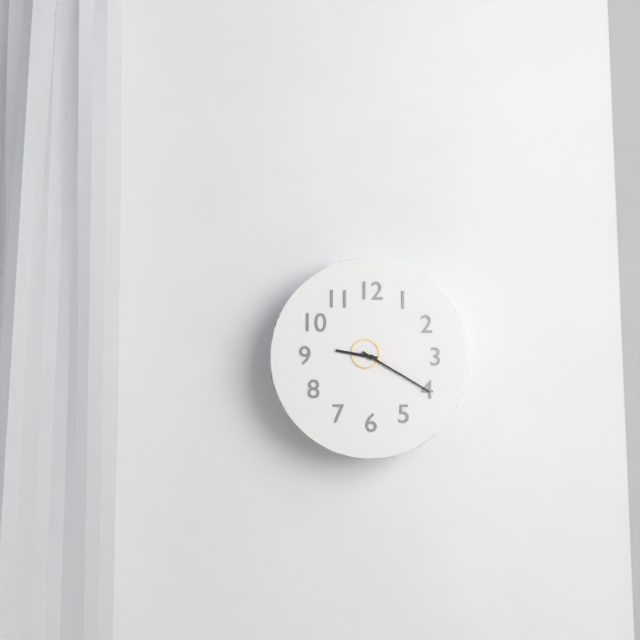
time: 9:20
